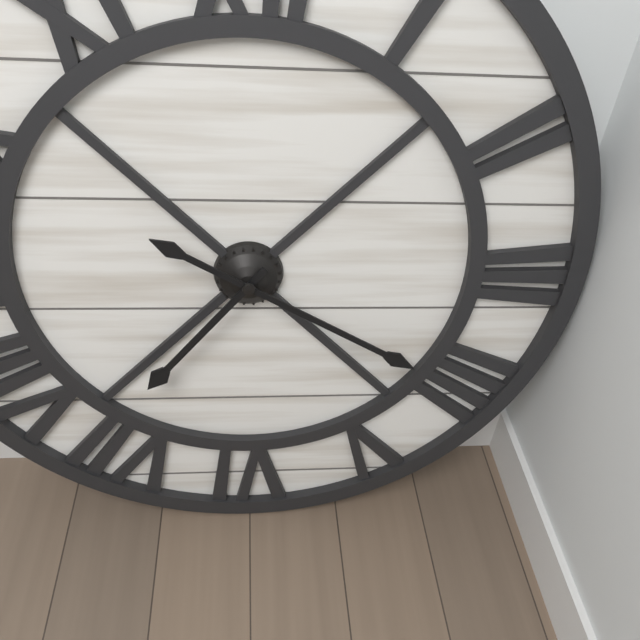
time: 7:20
